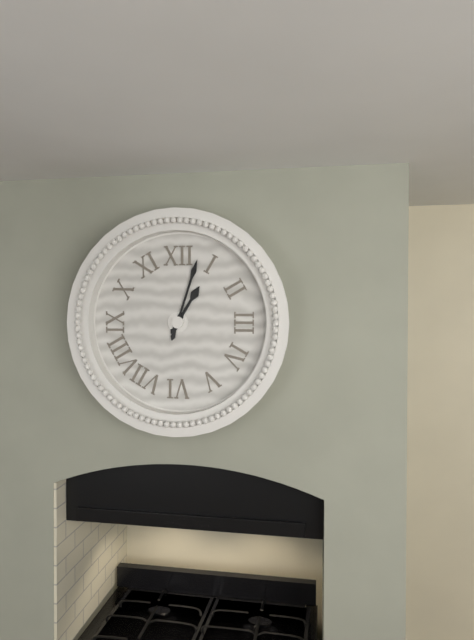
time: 1:03
